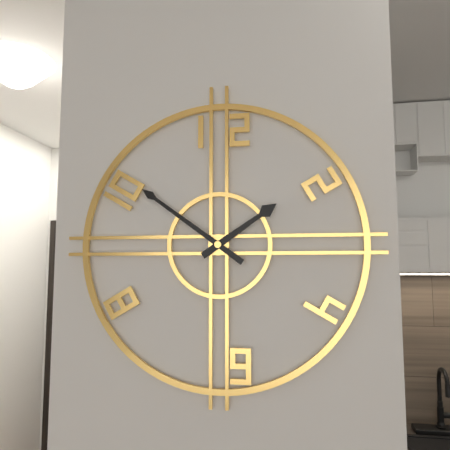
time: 1:51
